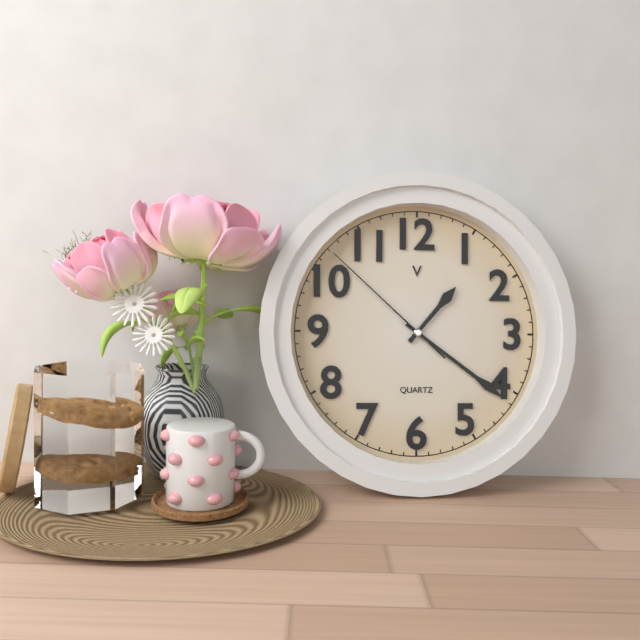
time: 1:21:52
